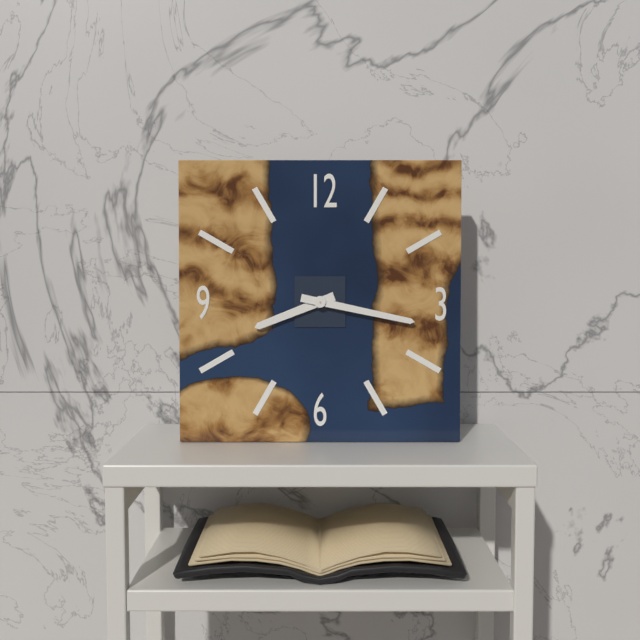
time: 8:17
